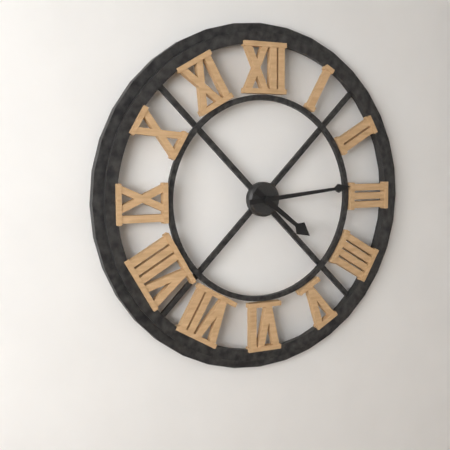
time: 4:14
